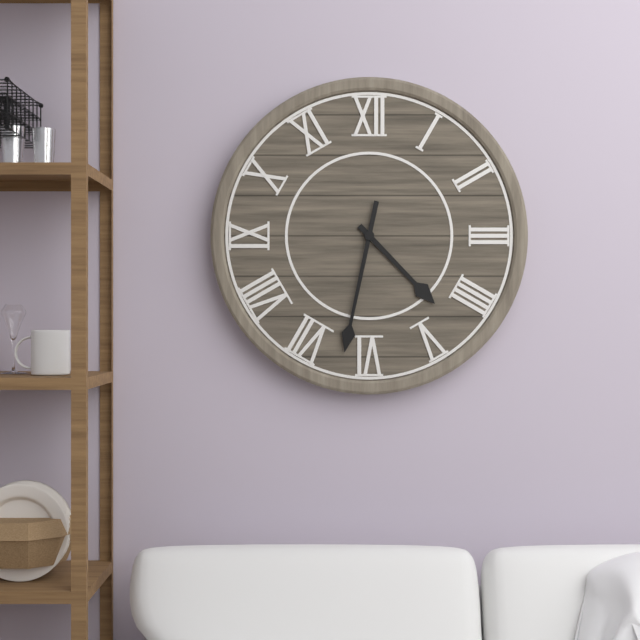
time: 4:32
